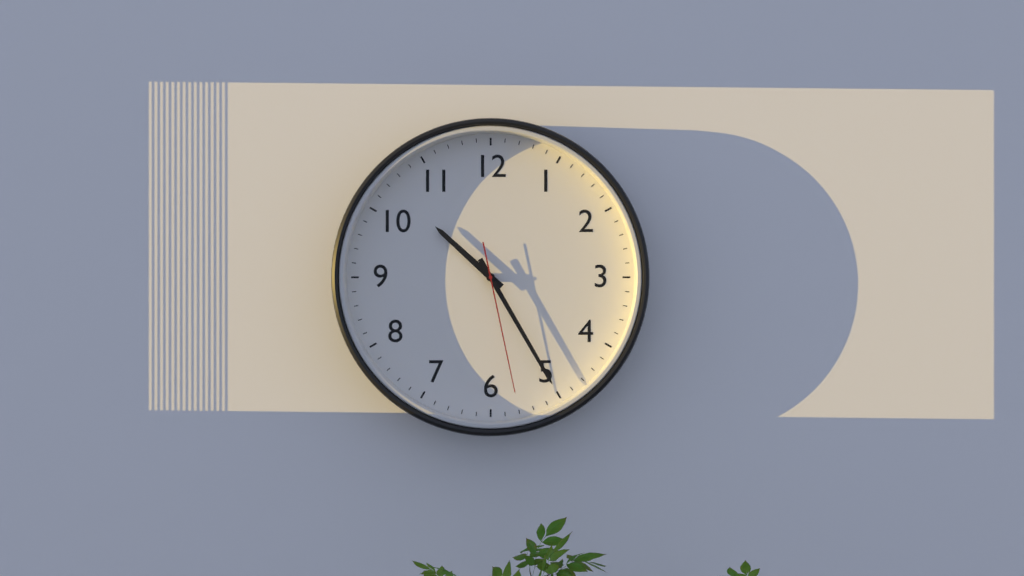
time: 10:25:28
